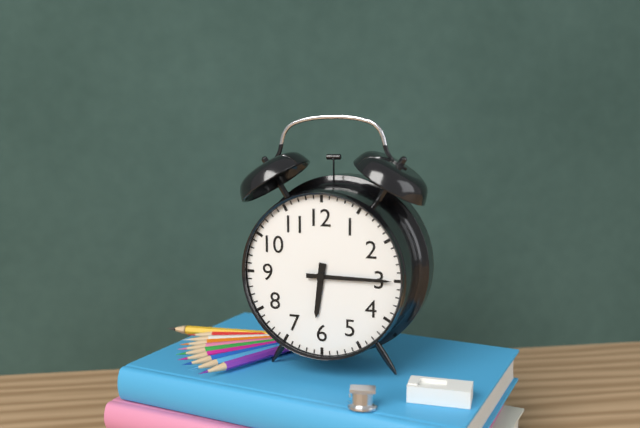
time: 6:15
